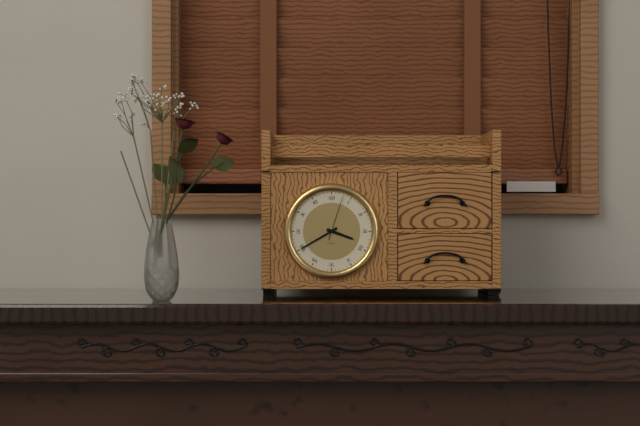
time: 3:40
